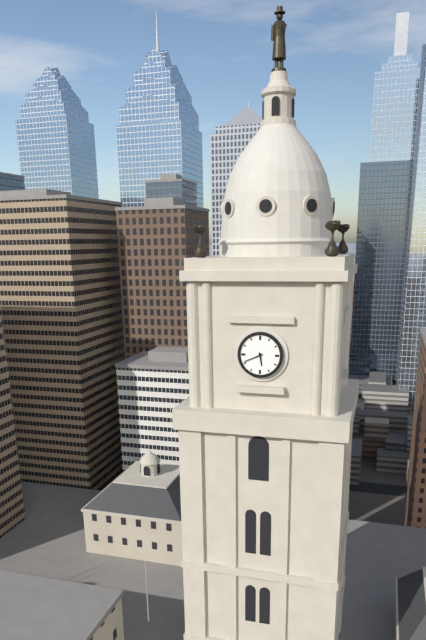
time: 5:41
